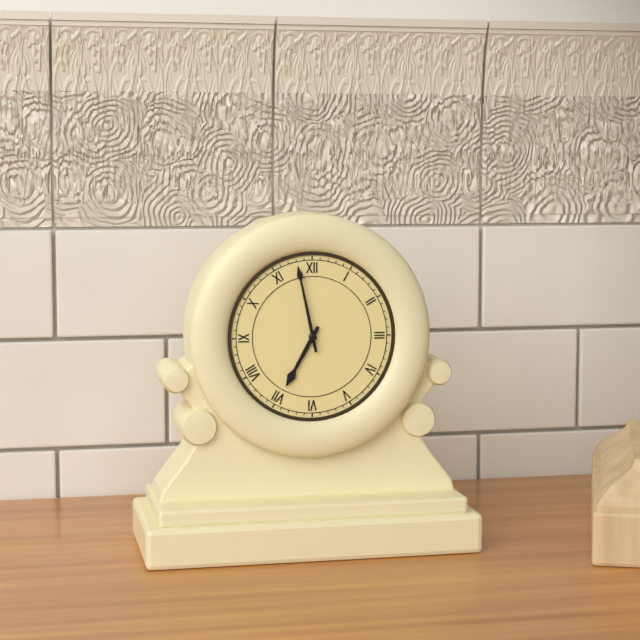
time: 6:58
